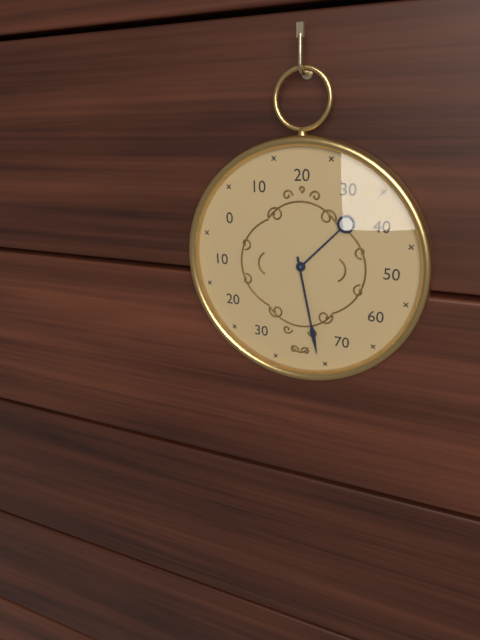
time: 1:28
